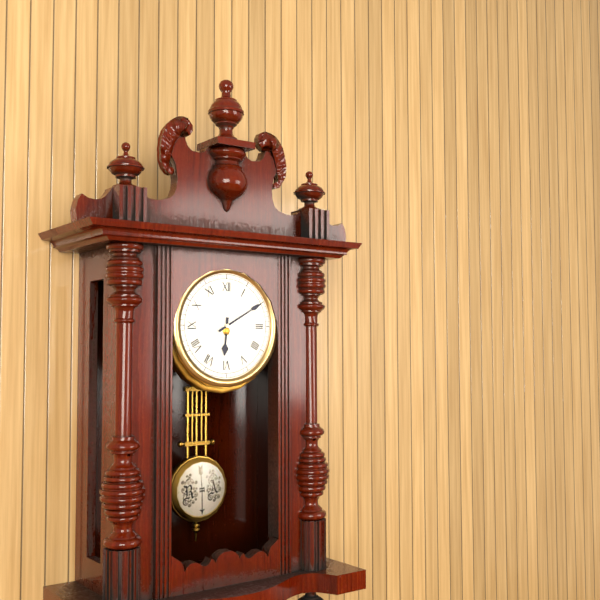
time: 6:10
